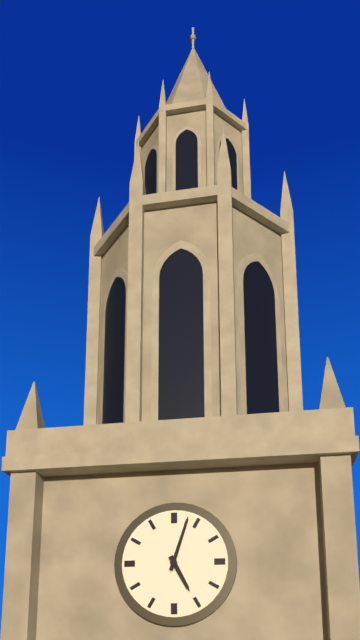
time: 5:03
